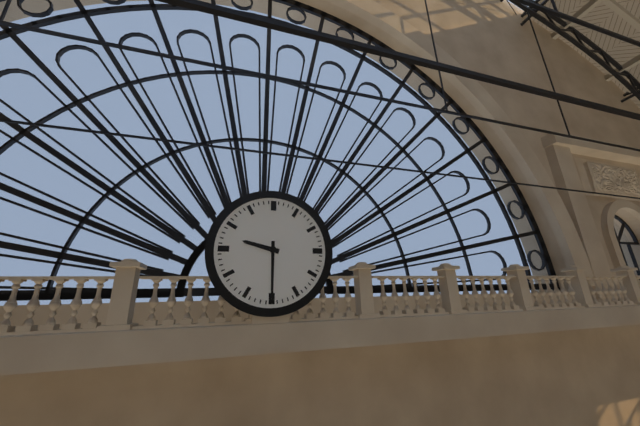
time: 9:30
